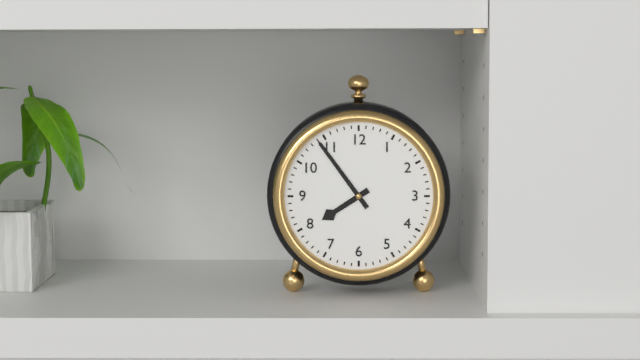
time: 7:54
